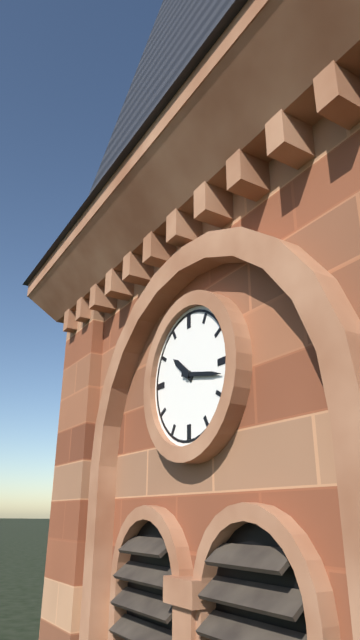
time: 10:17
